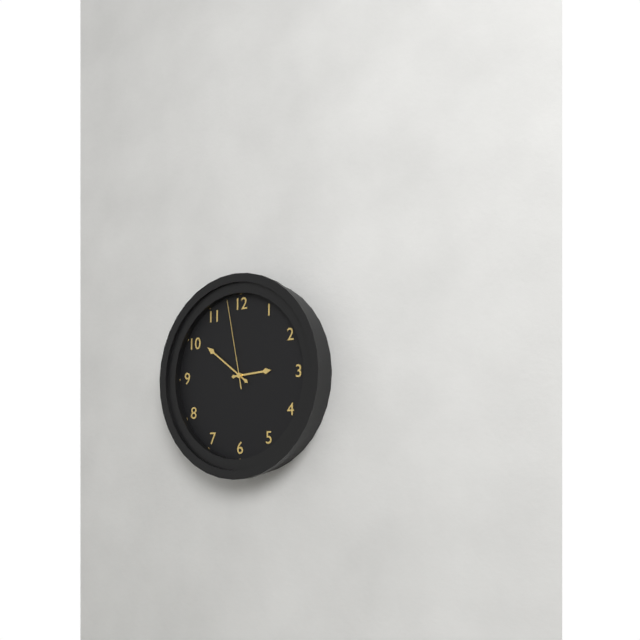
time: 2:51:58
